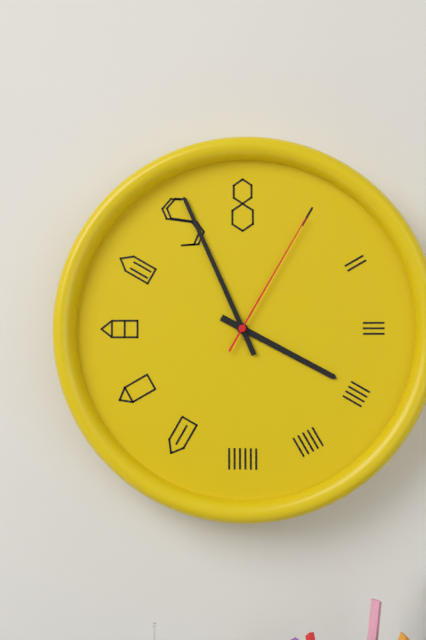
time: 3:56:05
